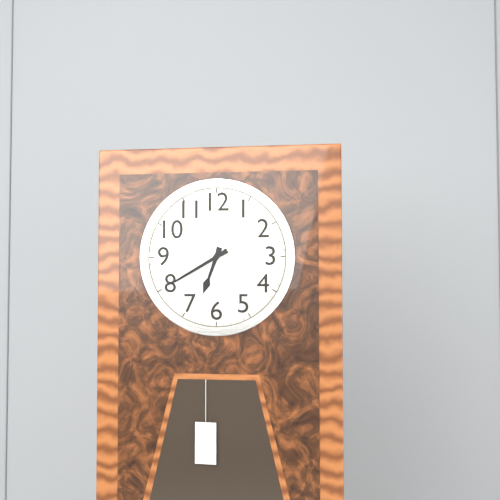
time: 6:40
